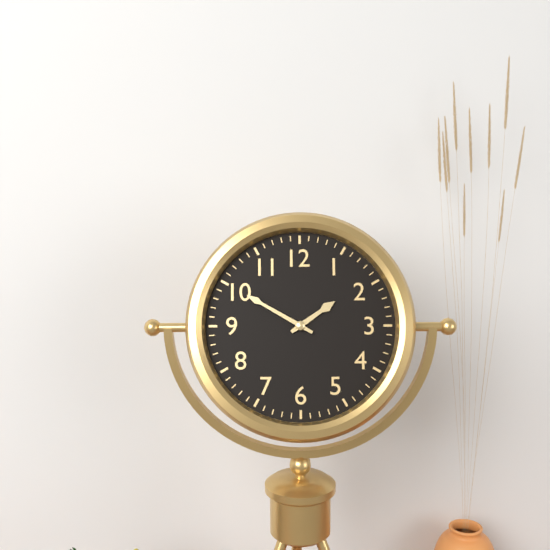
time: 1:50
